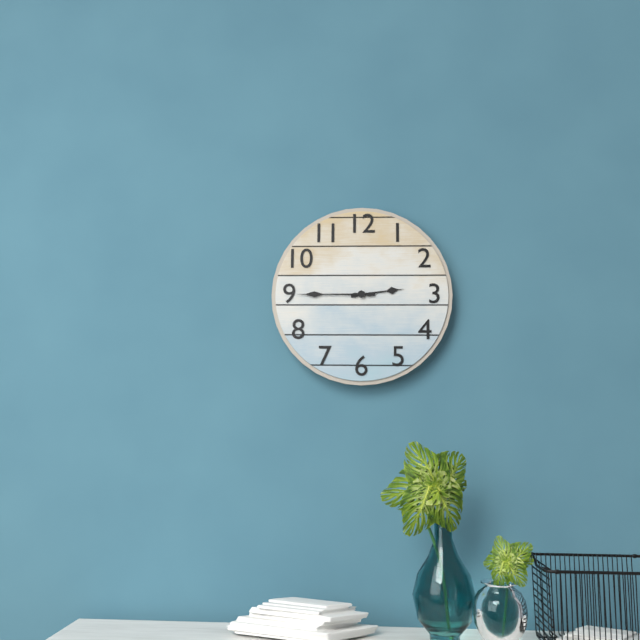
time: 2:45
